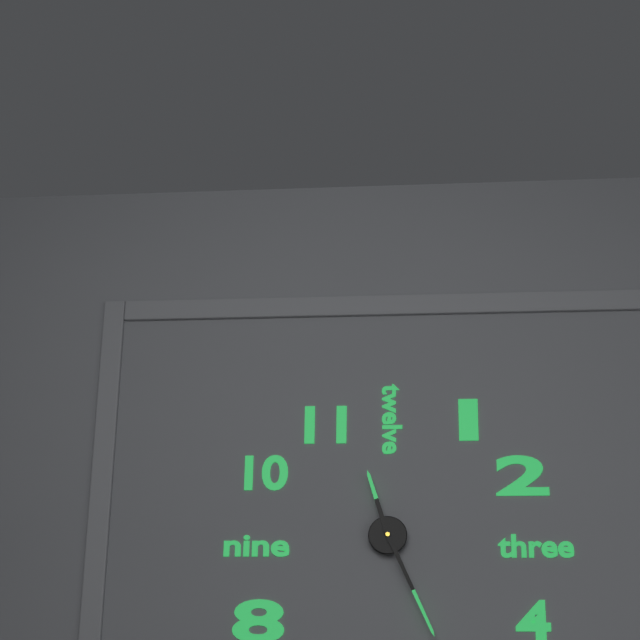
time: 11:26
